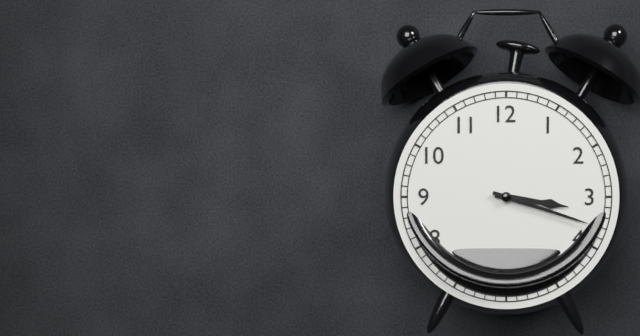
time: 3:18
